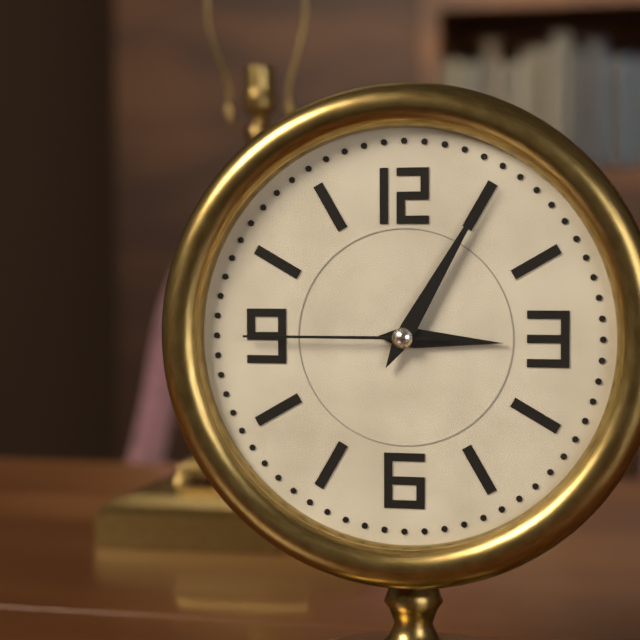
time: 3:05:45
